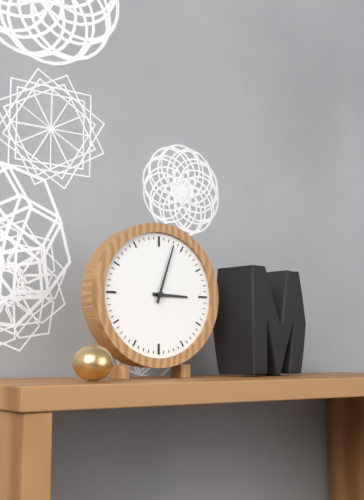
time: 3:03
